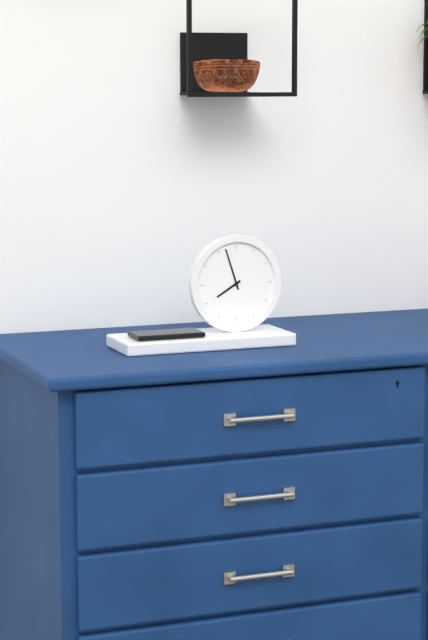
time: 7:57
